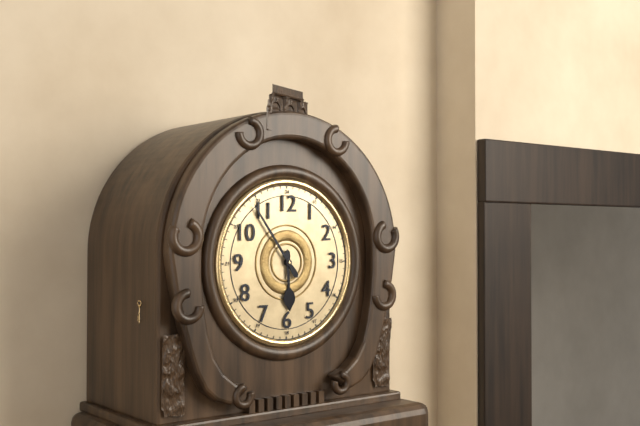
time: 5:54
